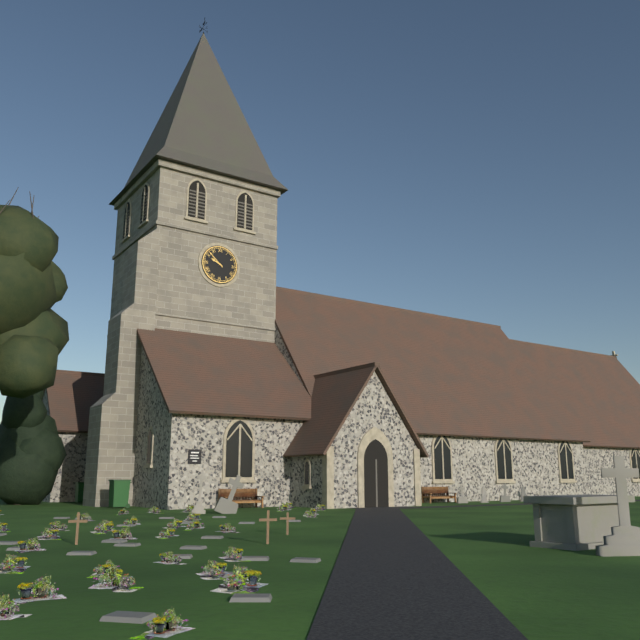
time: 9:52
